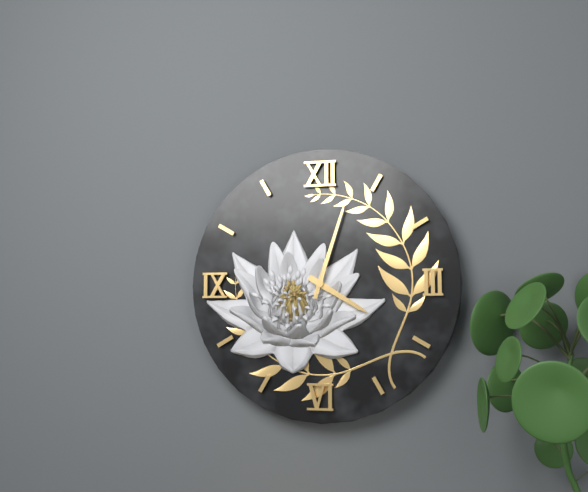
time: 4:03
